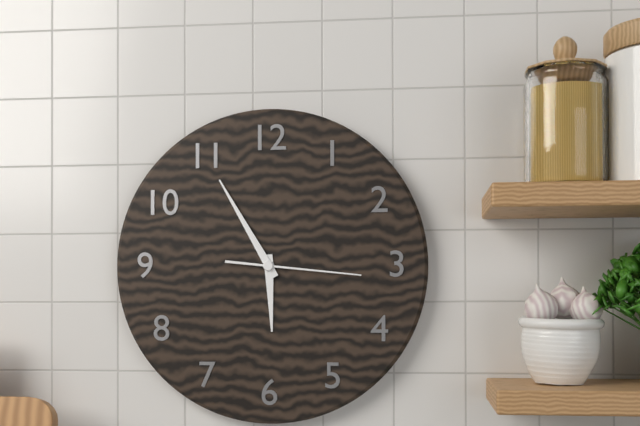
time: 5:55:16
